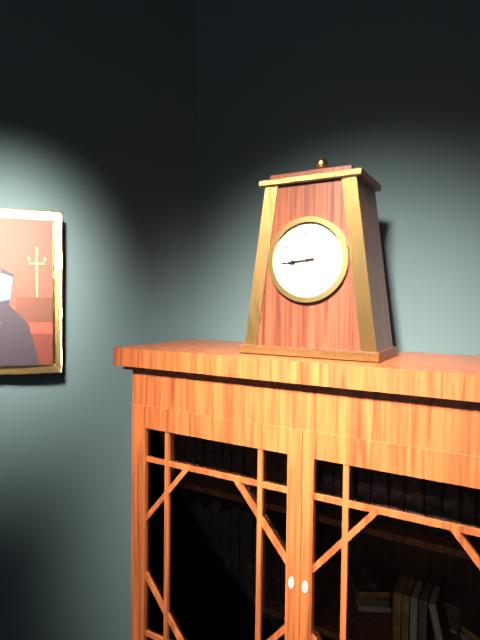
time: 8:44
